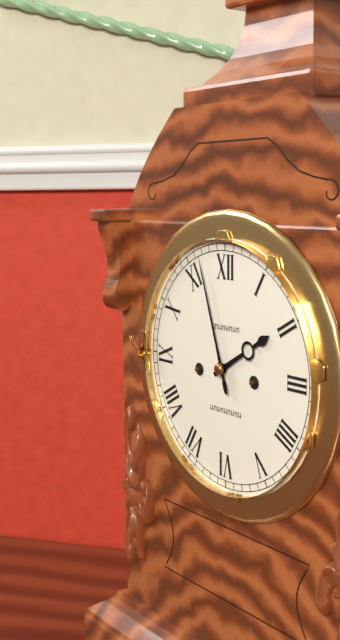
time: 1:57
